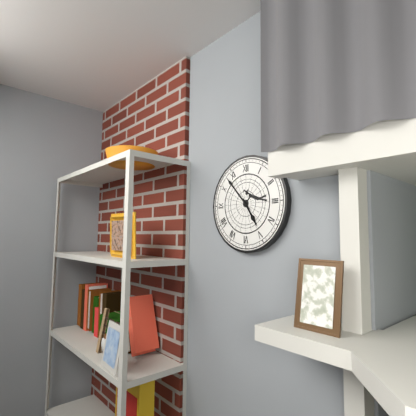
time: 4:53
